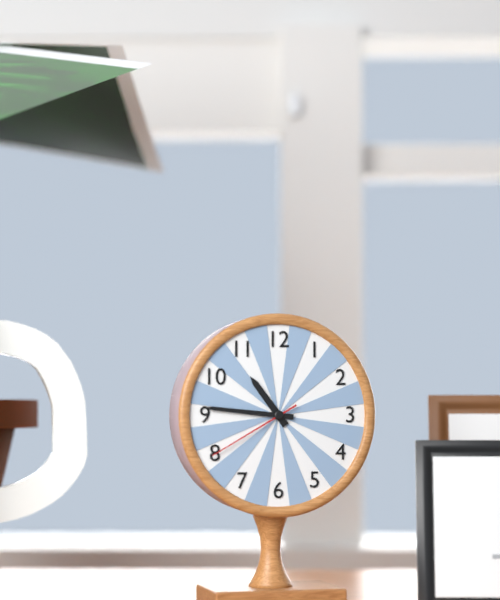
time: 10:46:40
